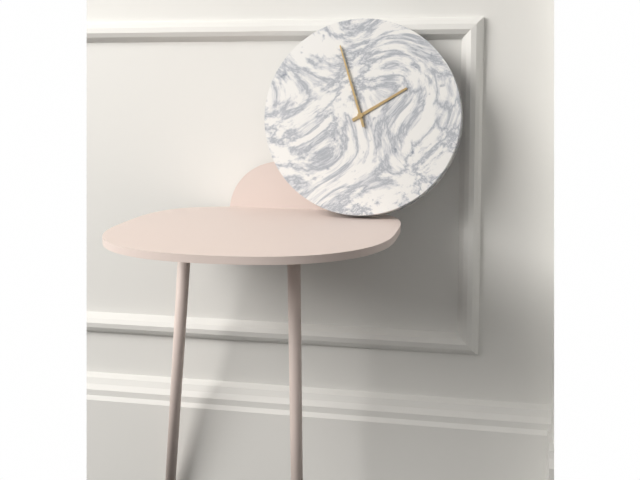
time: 1:57
